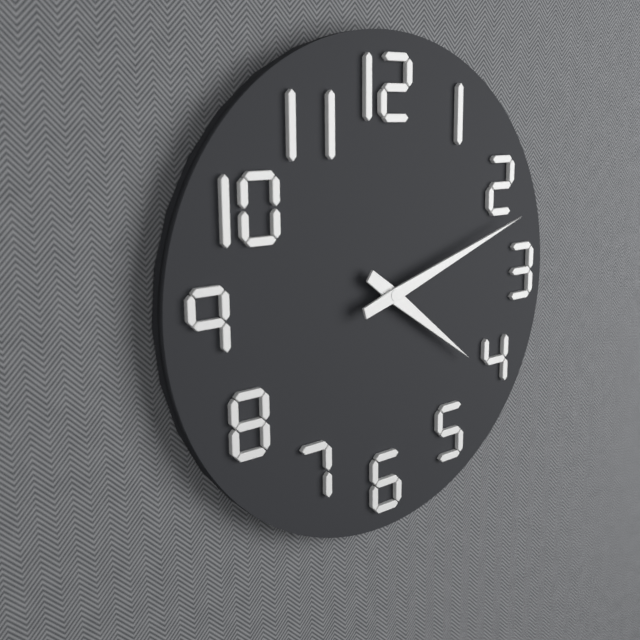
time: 4:12
